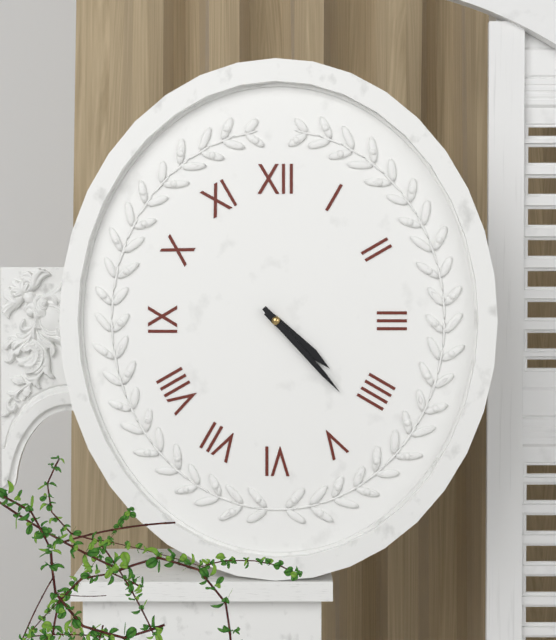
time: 4:23
